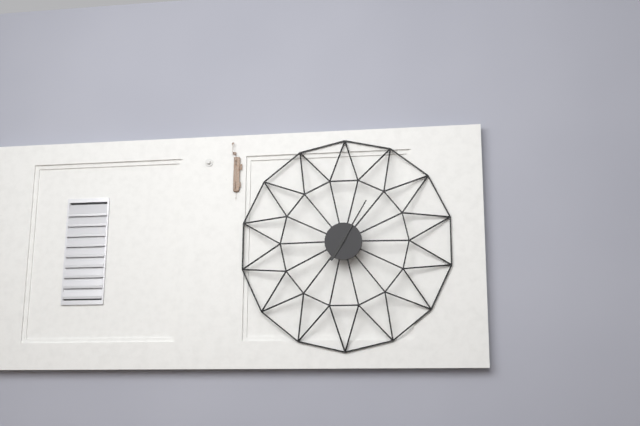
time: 7:05
